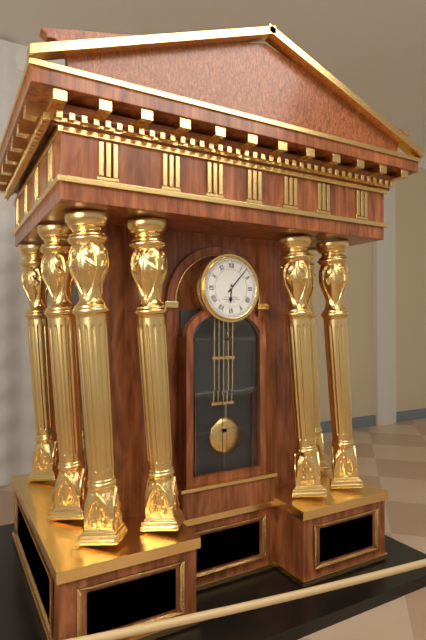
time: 6:07
